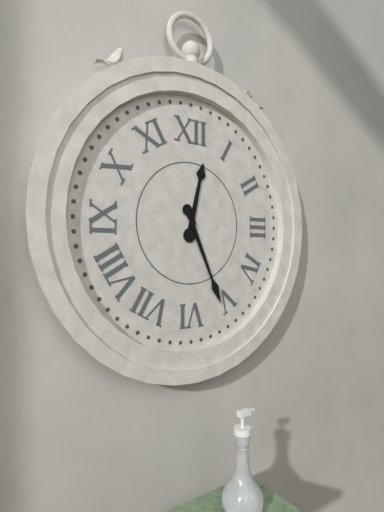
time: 12:26
